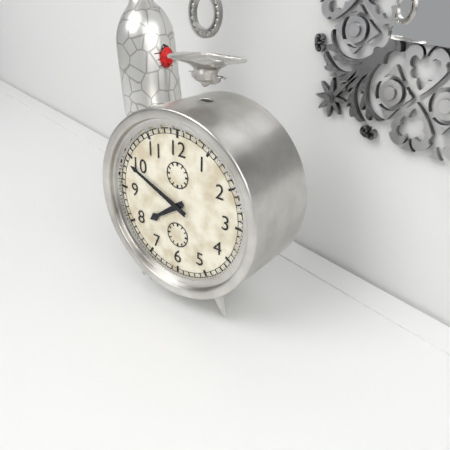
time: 7:49
